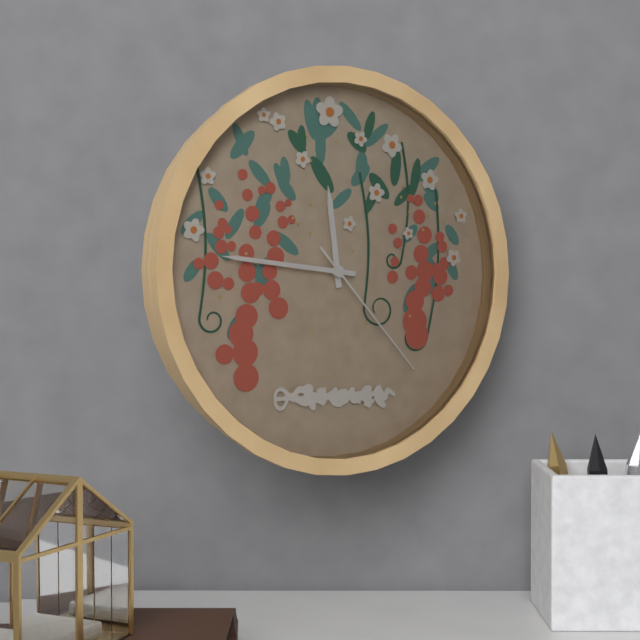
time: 11:46:23
